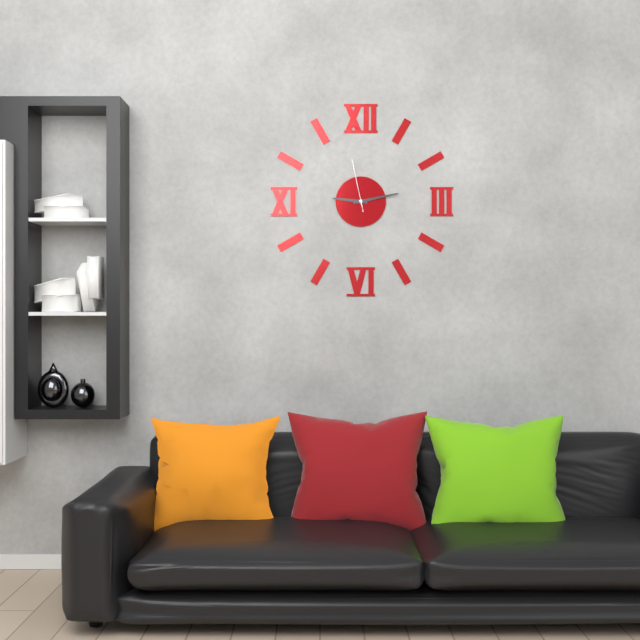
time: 9:13:58
